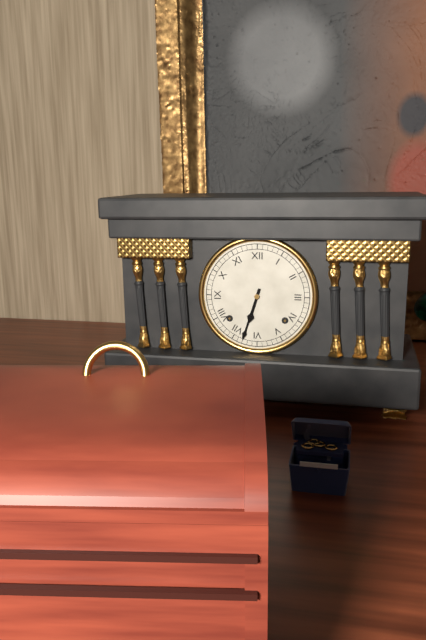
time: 6:33
